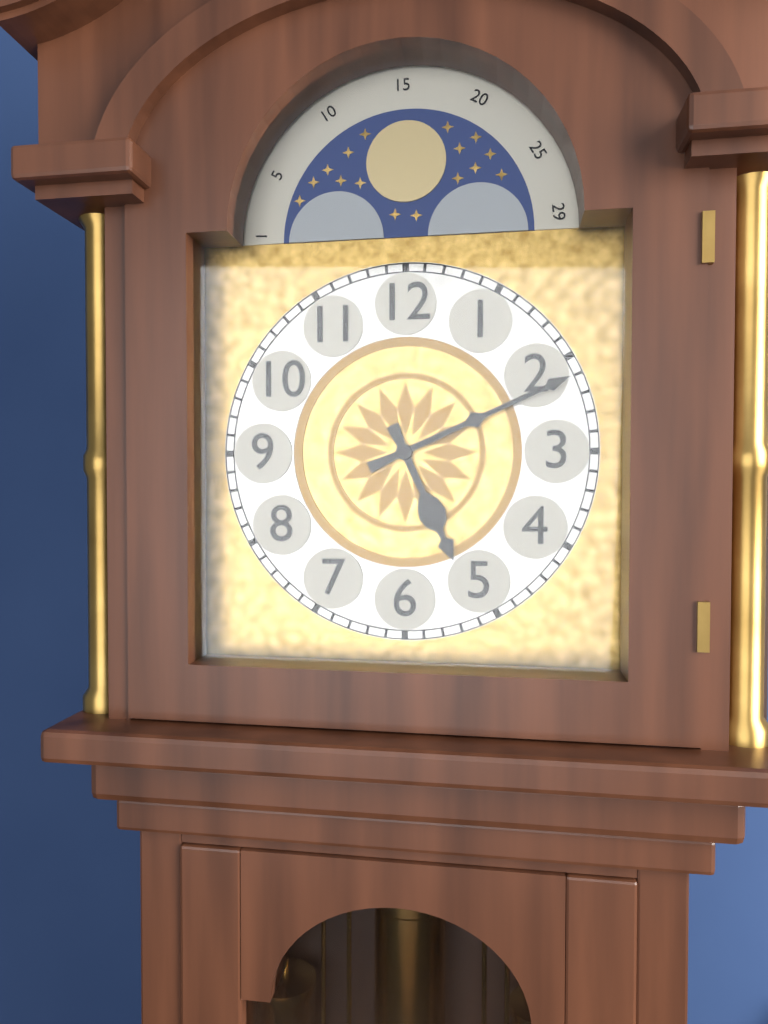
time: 5:11
